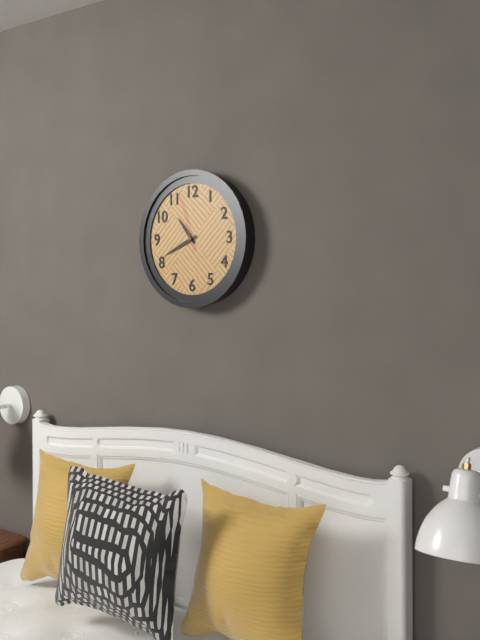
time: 10:41:57
